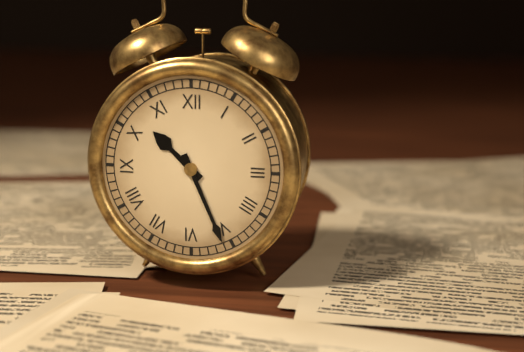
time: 10:26
